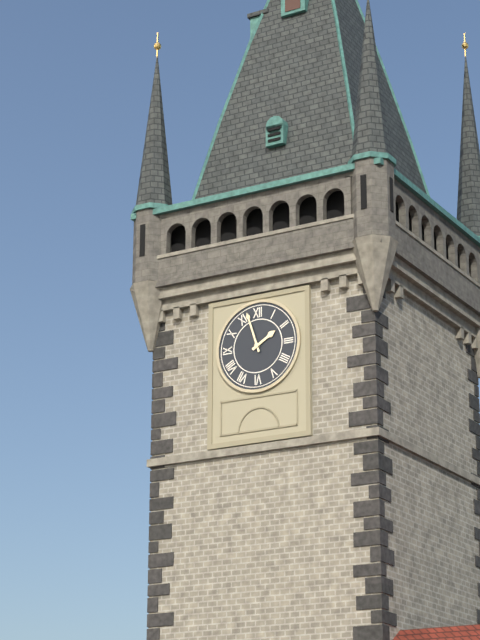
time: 1:57
